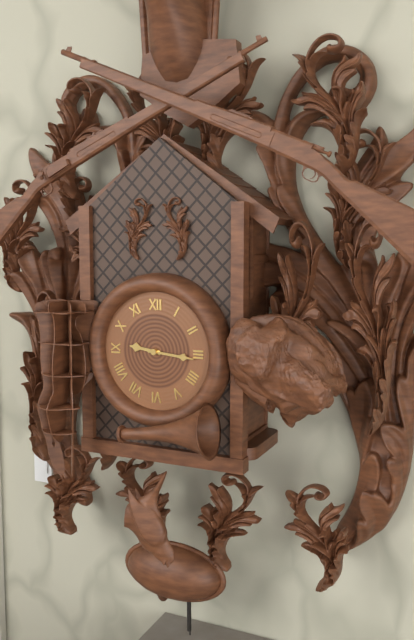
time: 9:16
